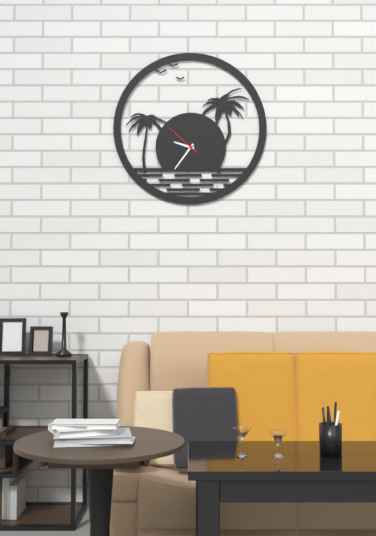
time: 9:36
